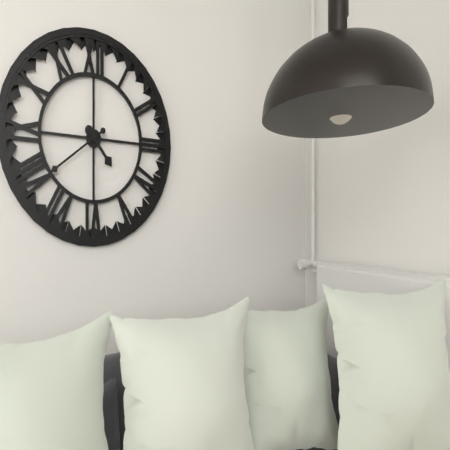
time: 4:39
